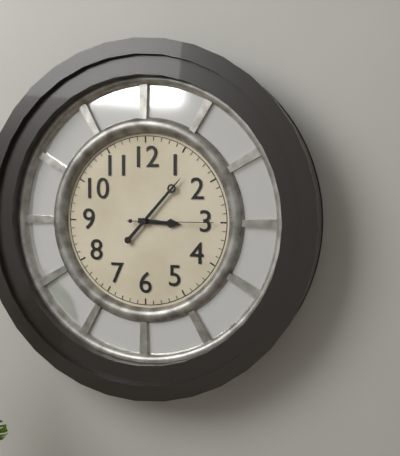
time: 3:07:15
